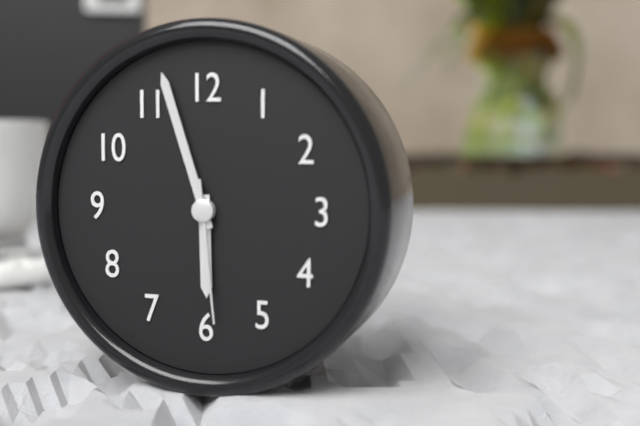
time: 5:57:29
